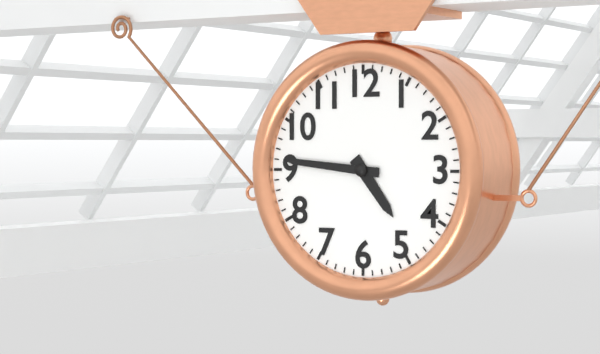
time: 4:46
